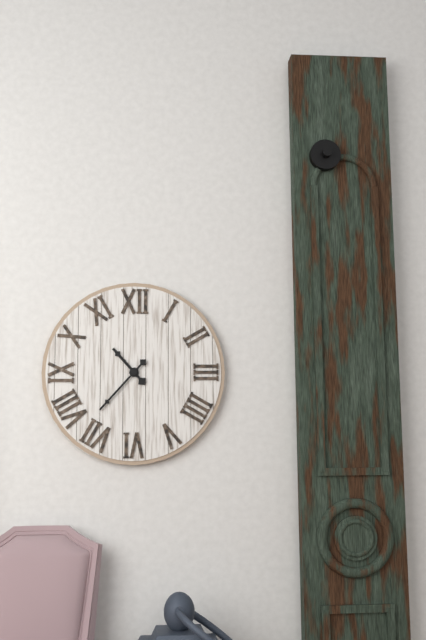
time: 10:37
